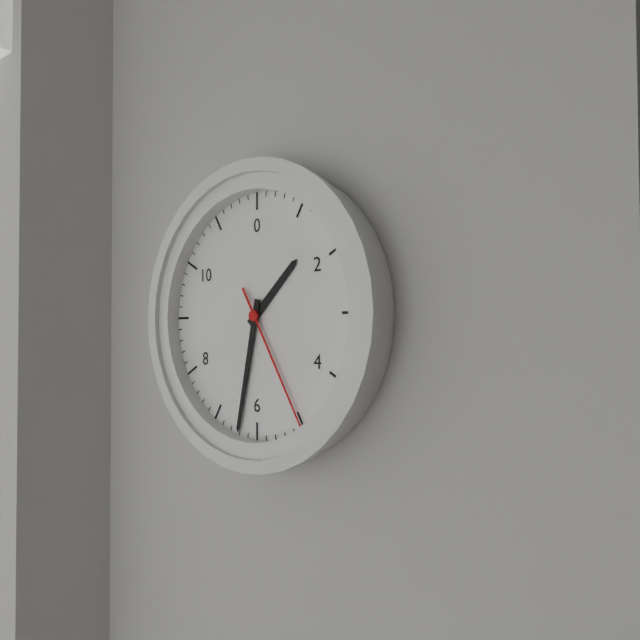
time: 1:32:25
